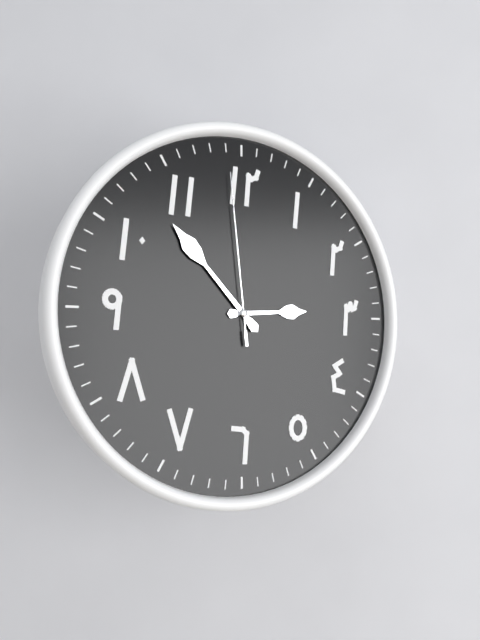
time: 2:53:59
